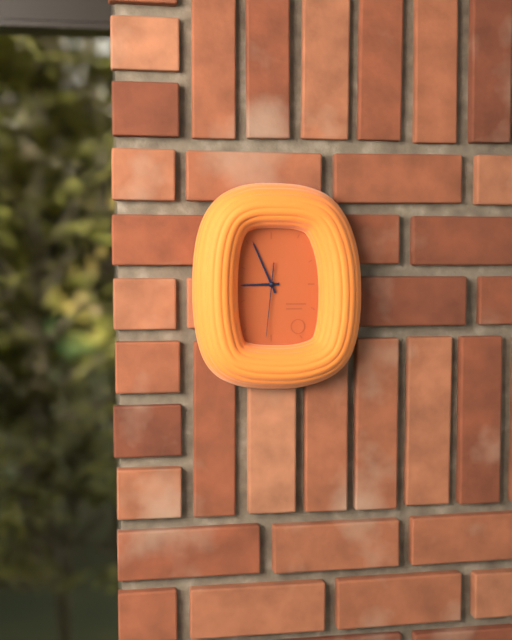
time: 8:56:31
